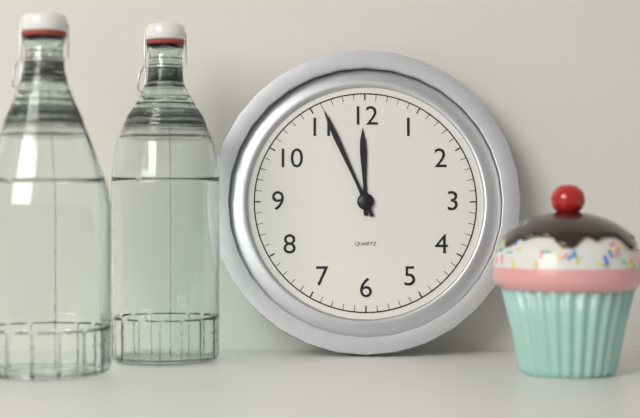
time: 11:56
